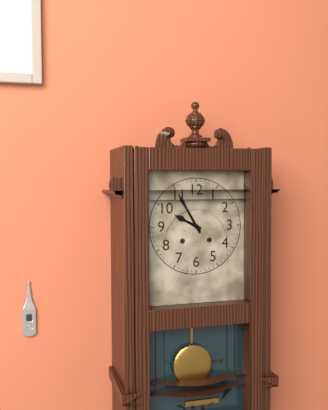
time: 9:55
